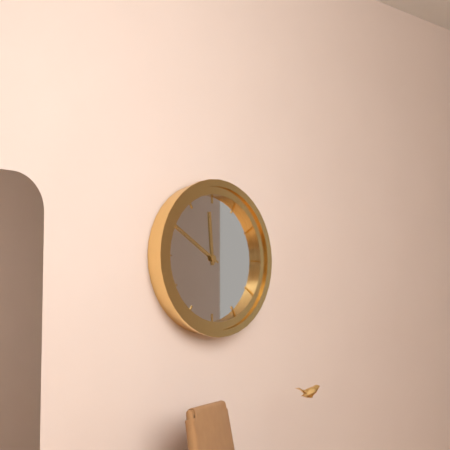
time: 11:50
